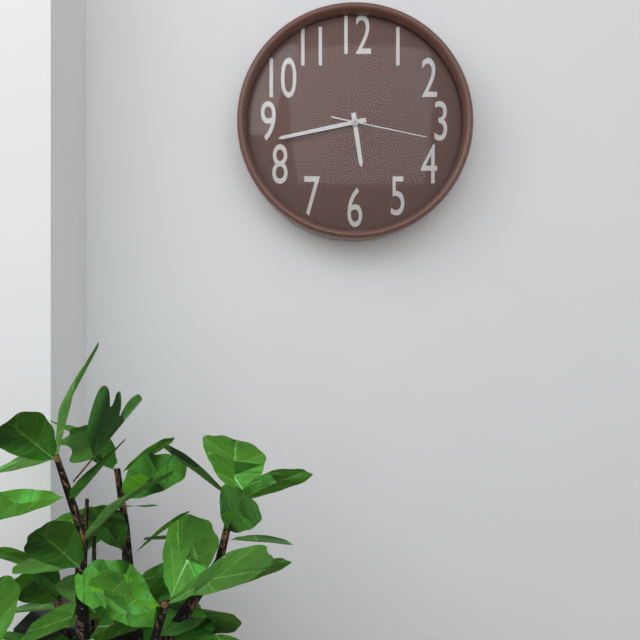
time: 5:43:17
